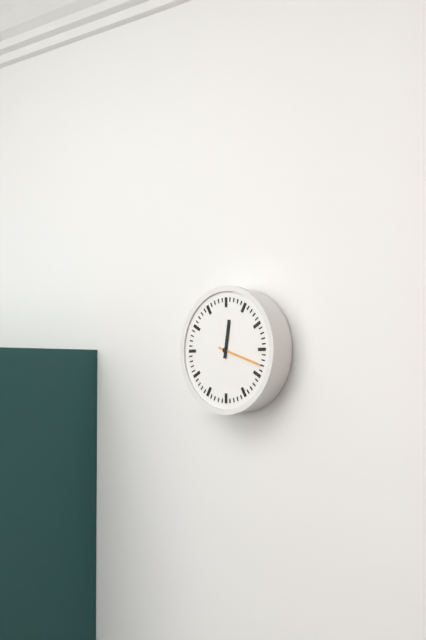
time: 12:18
